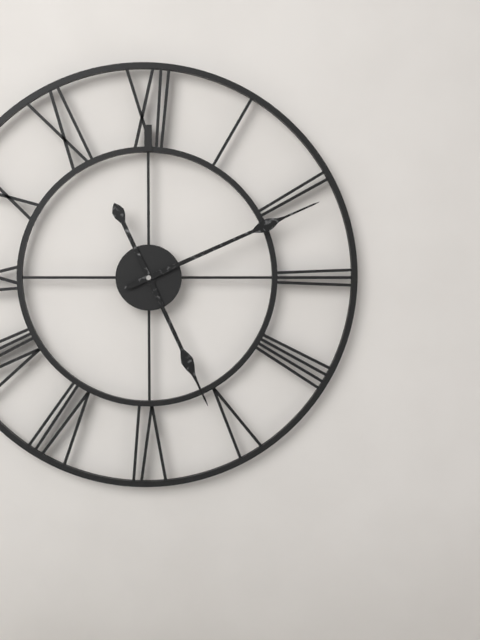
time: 5:11
